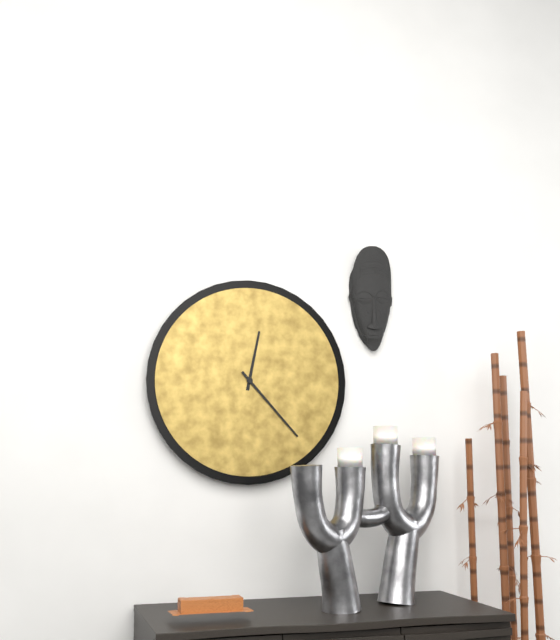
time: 12:23
